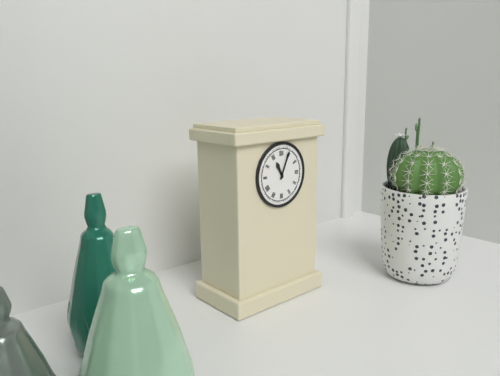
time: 11:04
